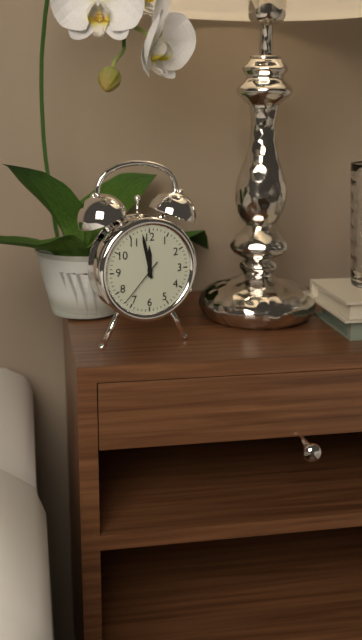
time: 11:58:37
